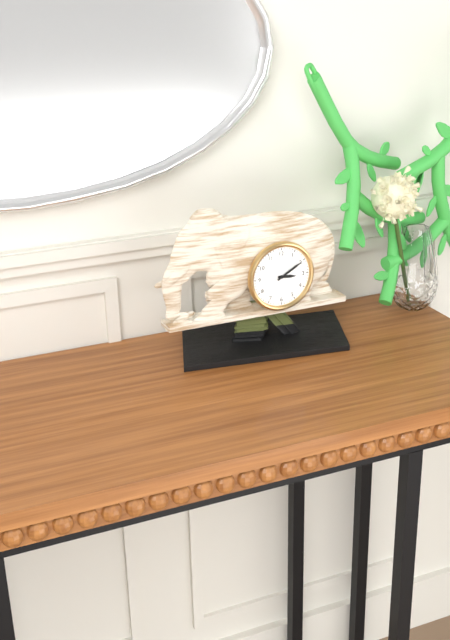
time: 3:10
